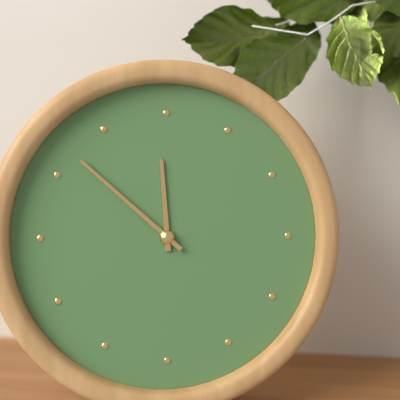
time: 11:52
